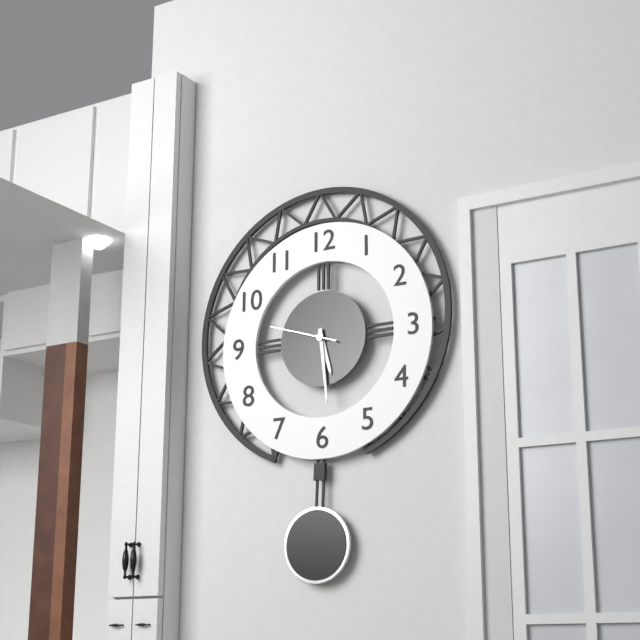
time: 5:29:48
